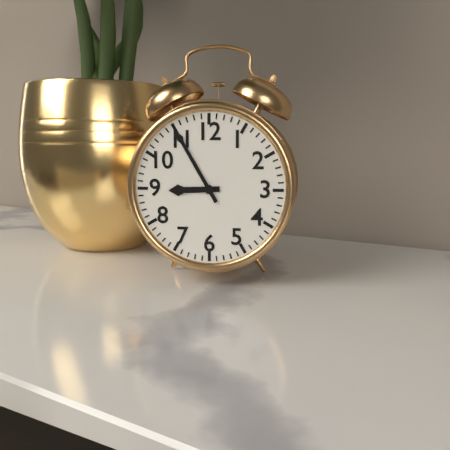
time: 8:55
